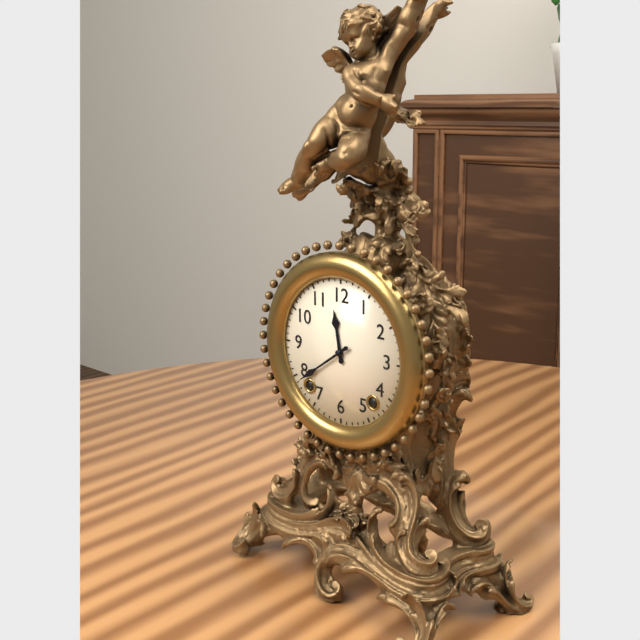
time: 11:39
